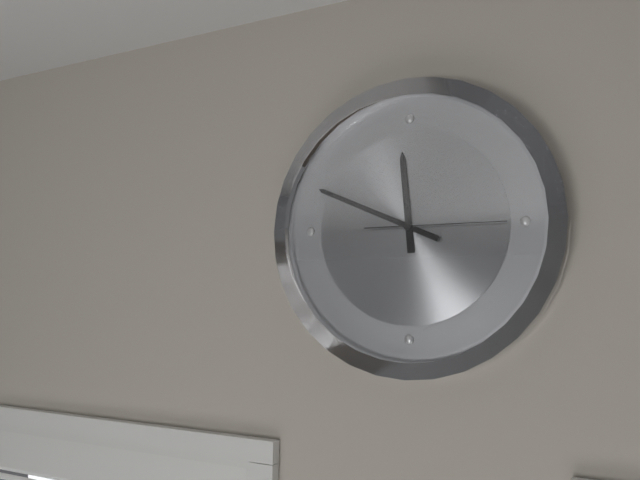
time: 11:49:15
